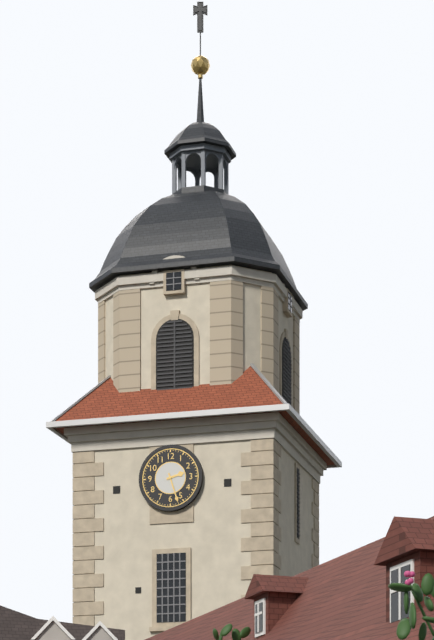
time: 2:27
